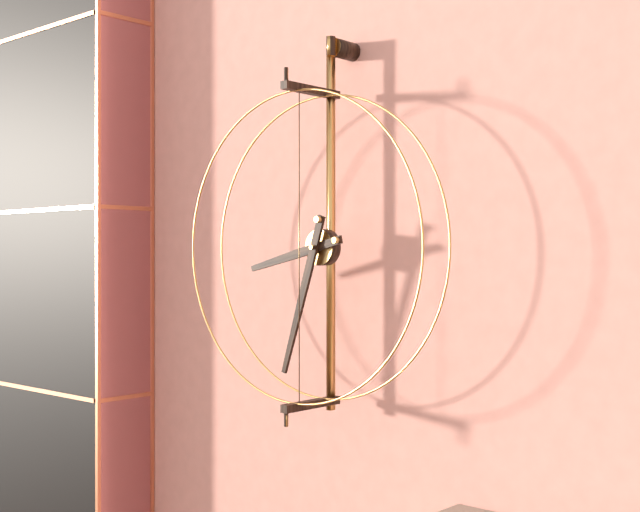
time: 8:33
